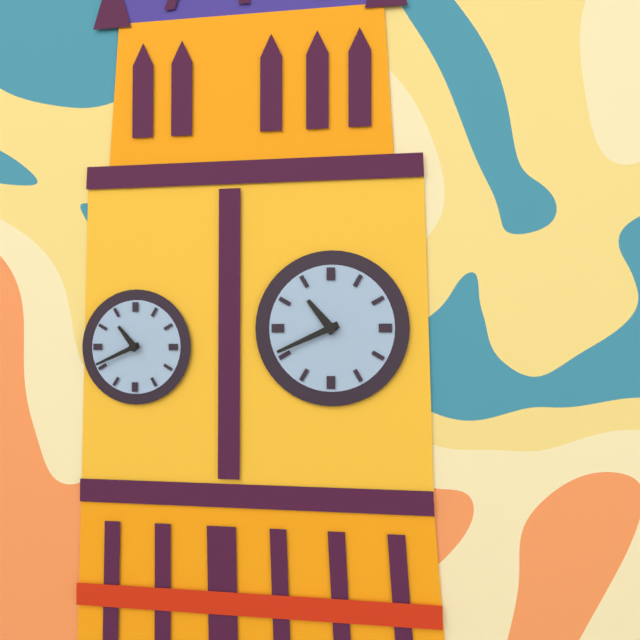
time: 10:41
